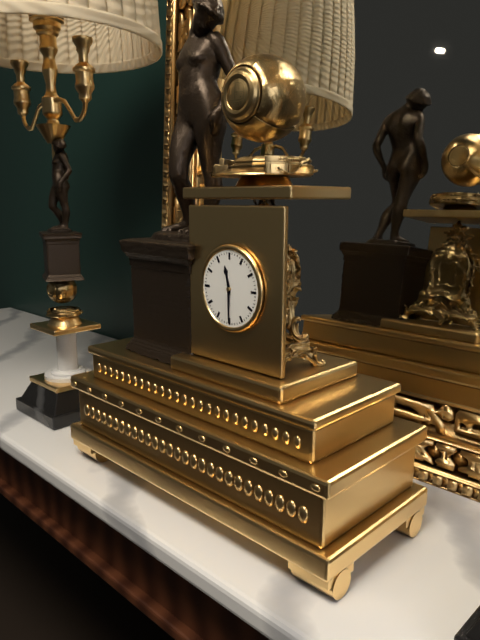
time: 11:30
